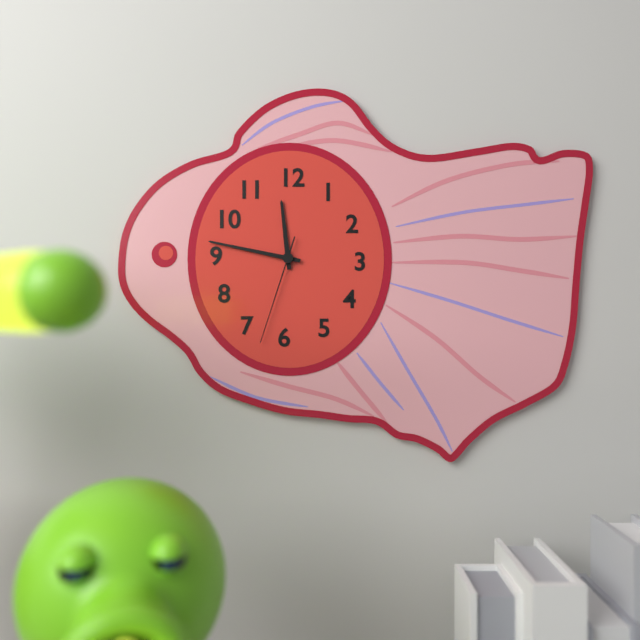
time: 11:47:33
